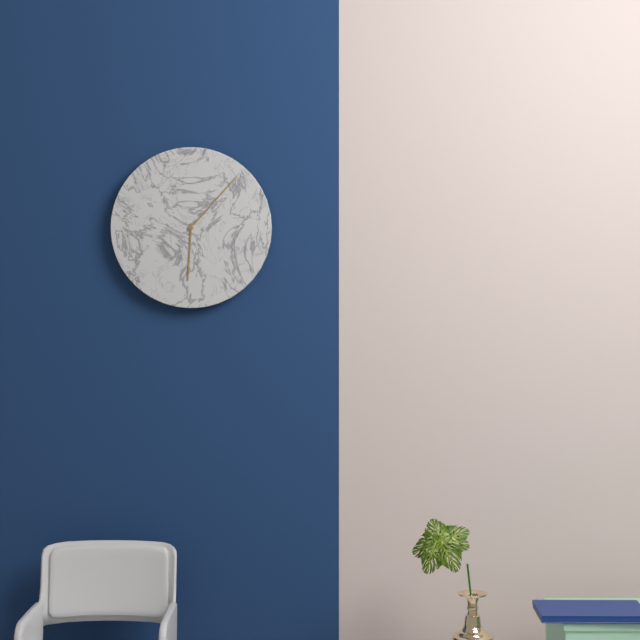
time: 6:07
